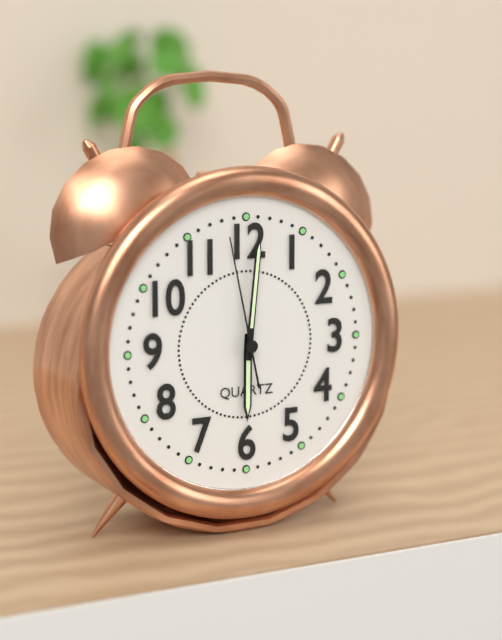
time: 6:01:58
